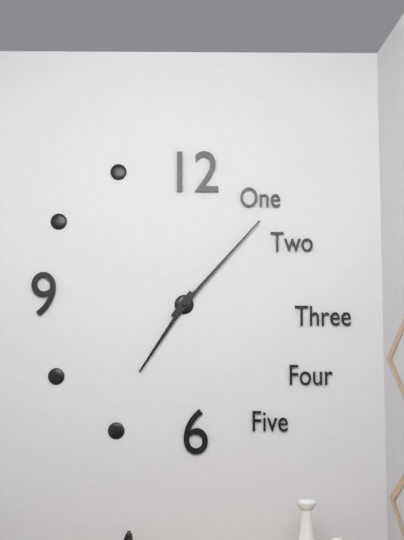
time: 7:07
